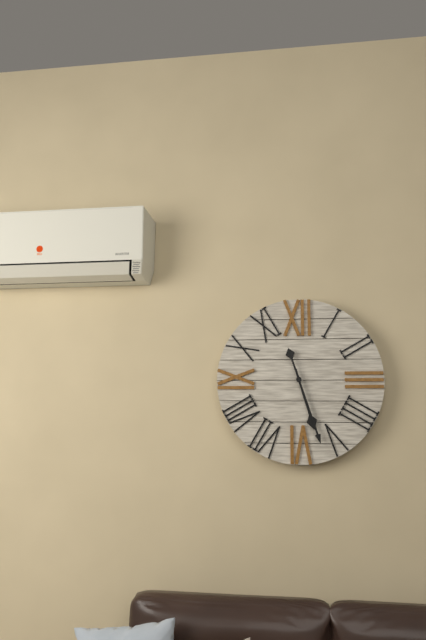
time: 5:27
